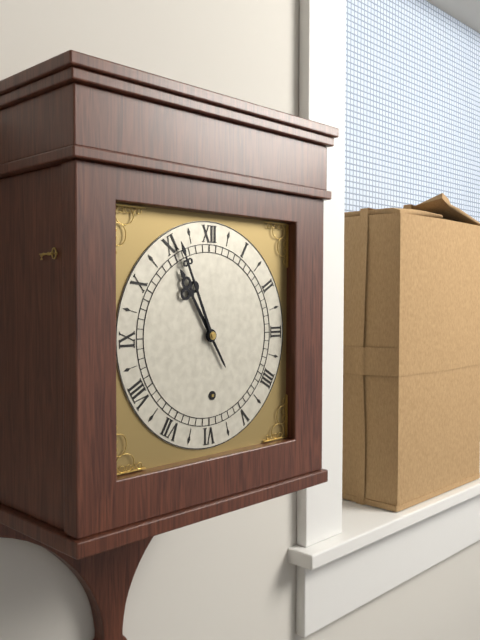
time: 10:56
